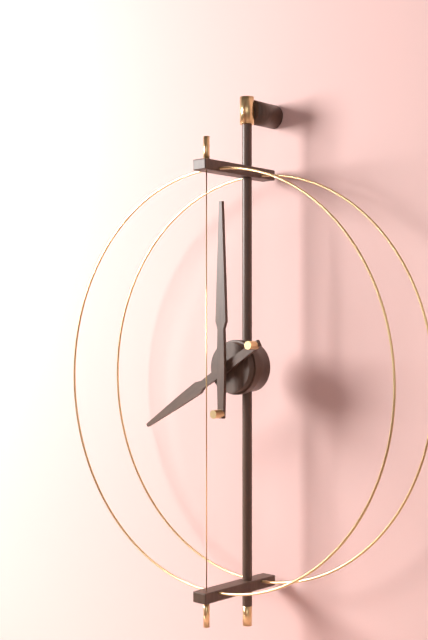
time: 8:00
